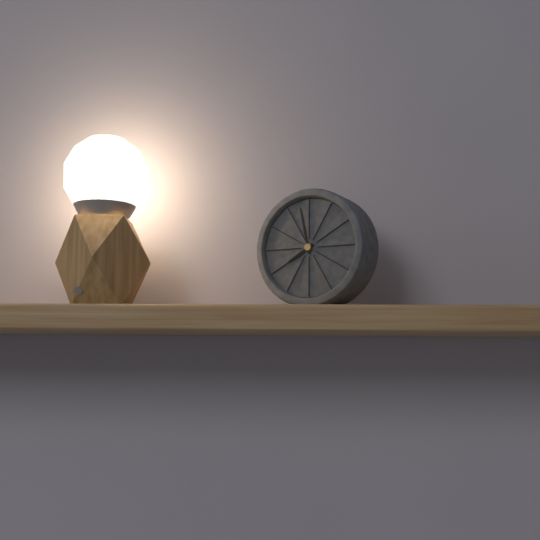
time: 7:58
